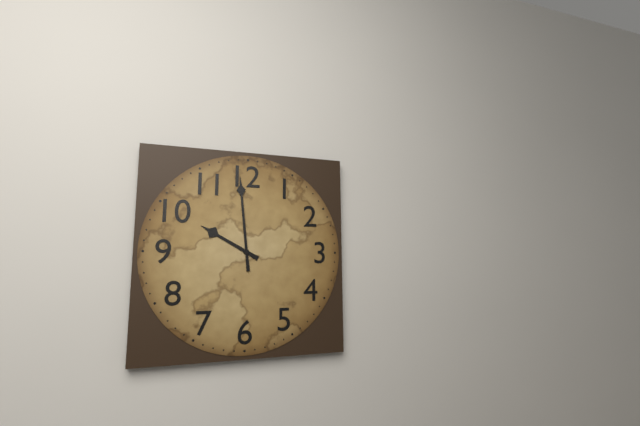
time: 9:59
